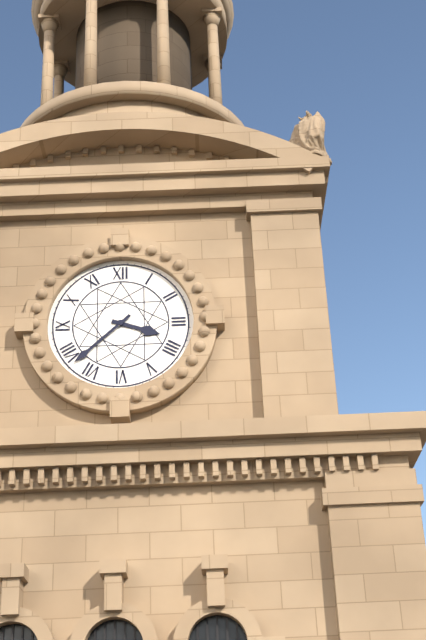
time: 3:38
